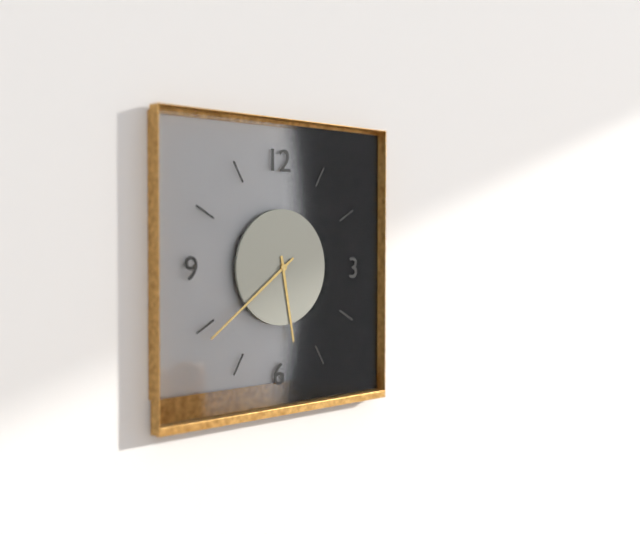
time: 5:39
